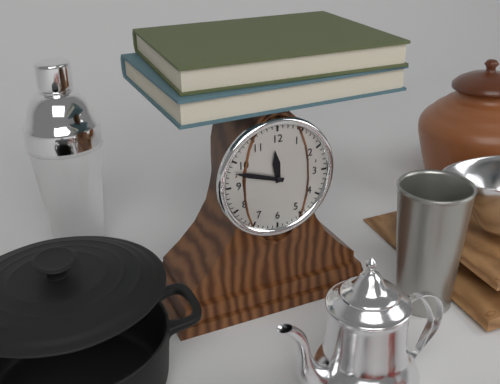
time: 11:48
